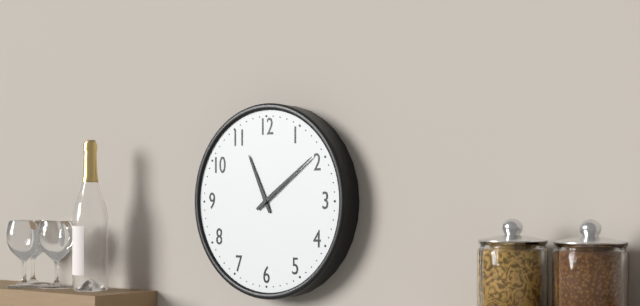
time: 11:09
